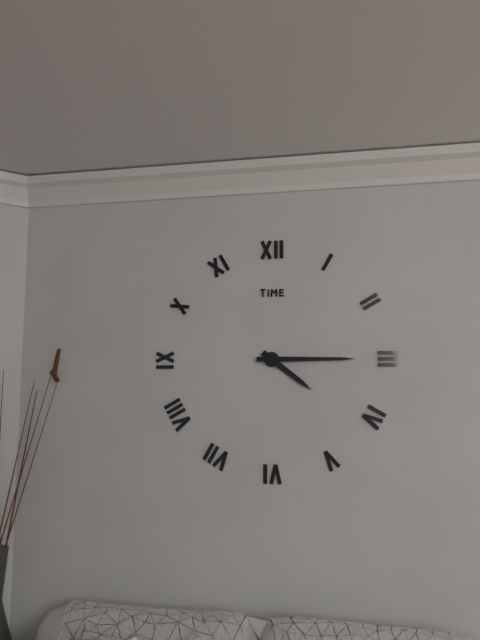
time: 4:15
